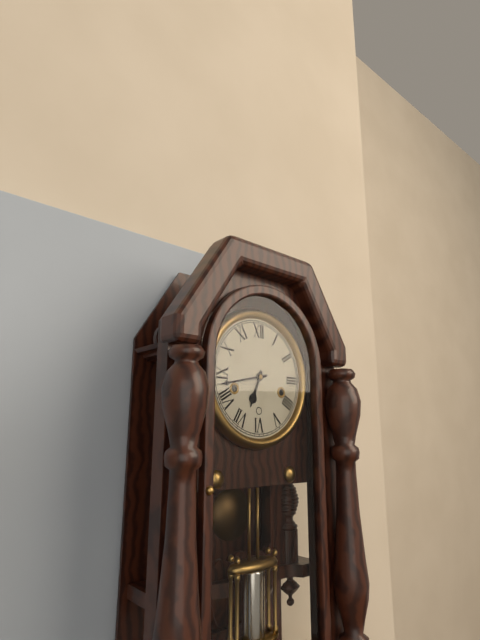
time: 6:43
